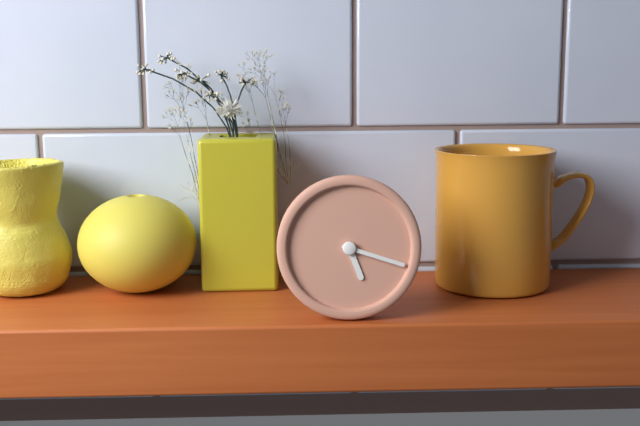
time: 5:18
